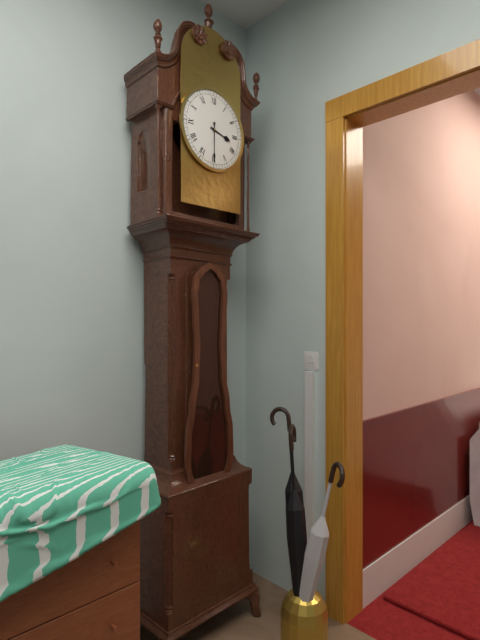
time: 3:30
